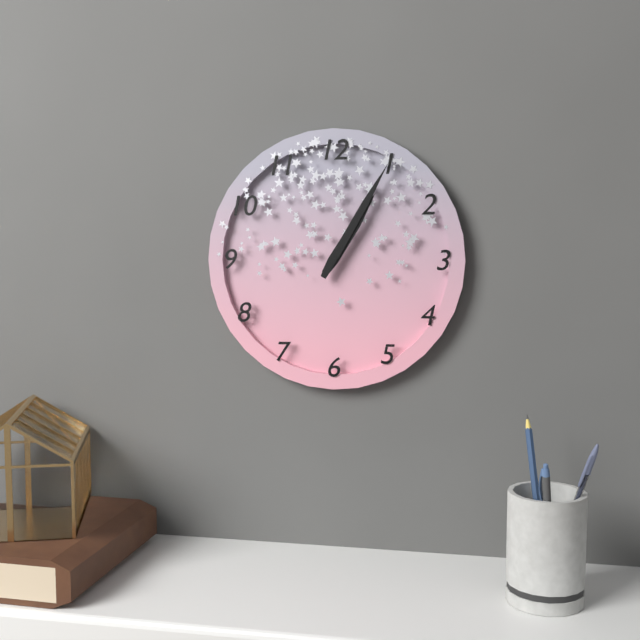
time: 1:05
